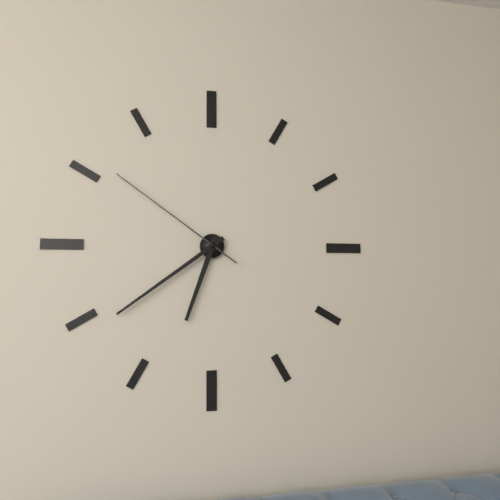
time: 6:39:51
